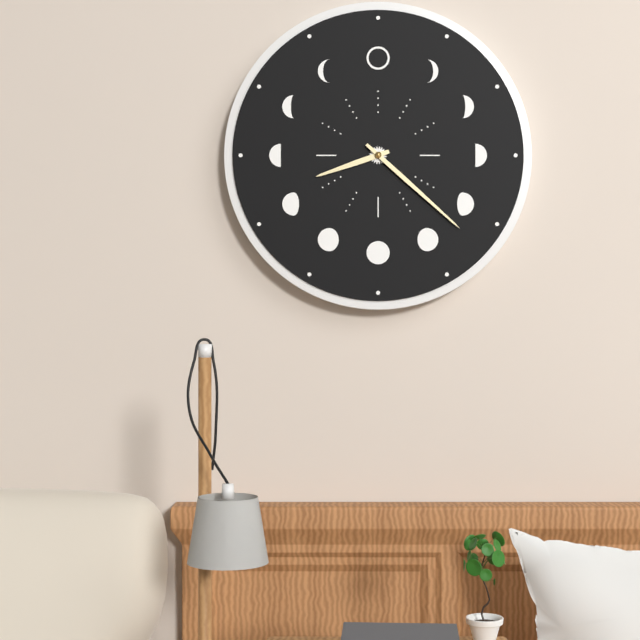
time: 8:22
